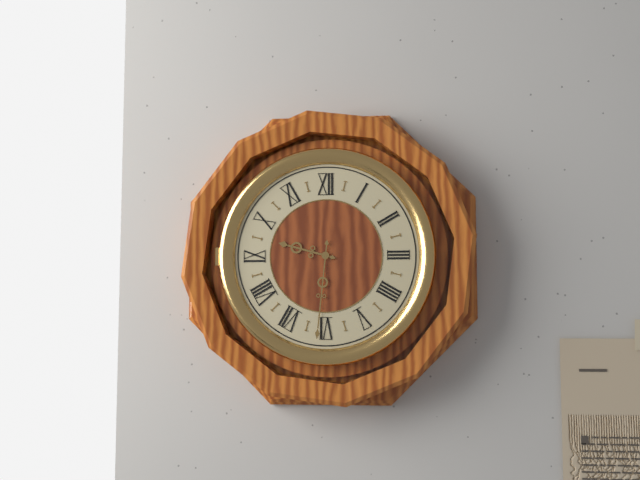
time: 9:31
